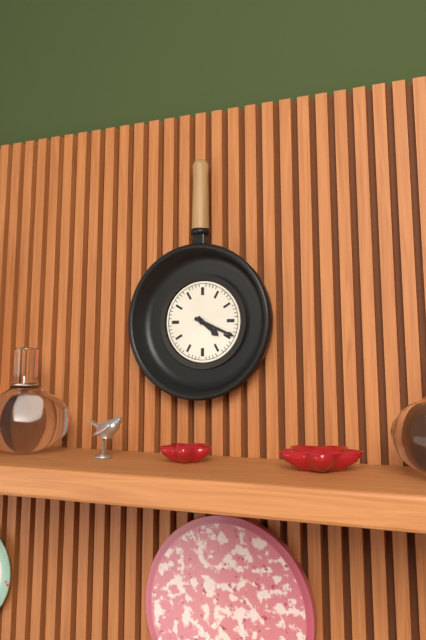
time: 4:19
